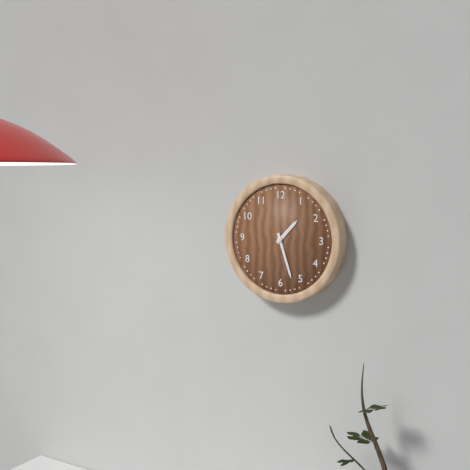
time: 1:27
